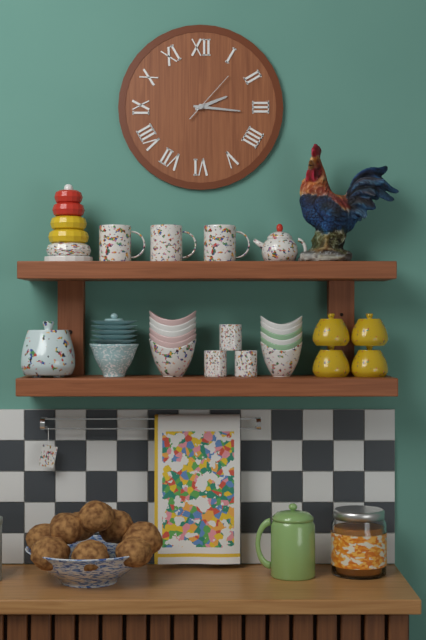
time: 2:16:07
